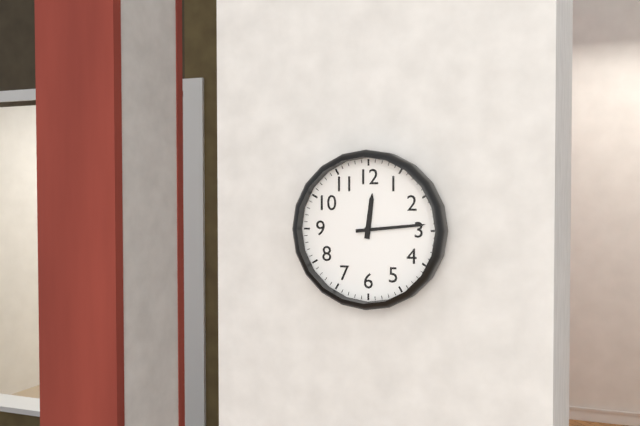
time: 12:14
